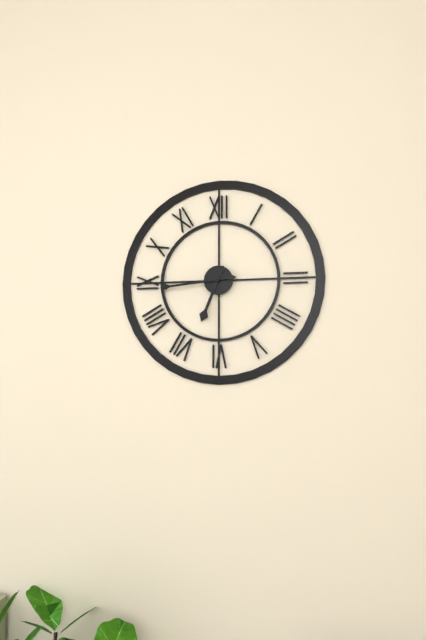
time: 6:44
